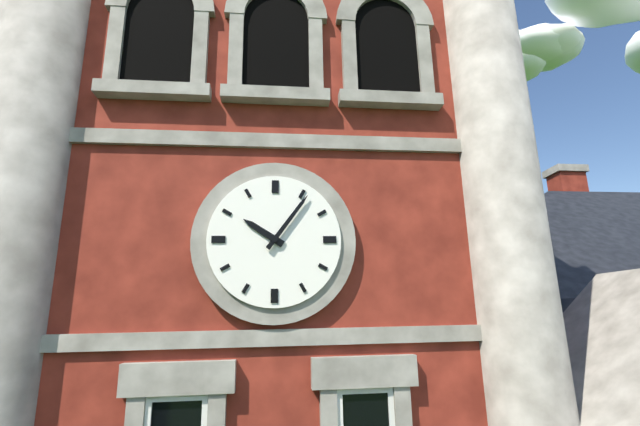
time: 10:06
